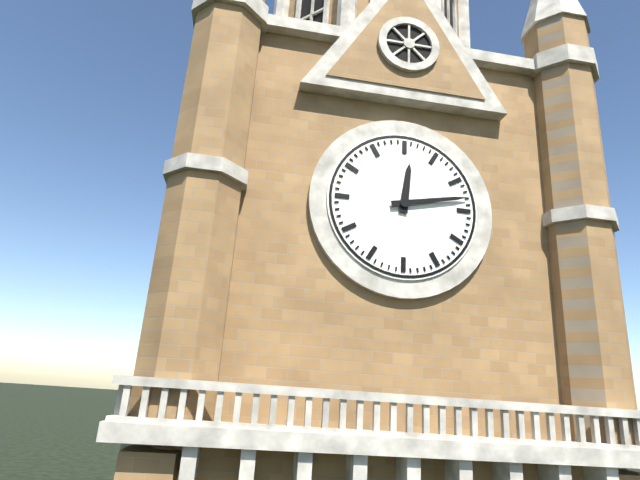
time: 12:13
